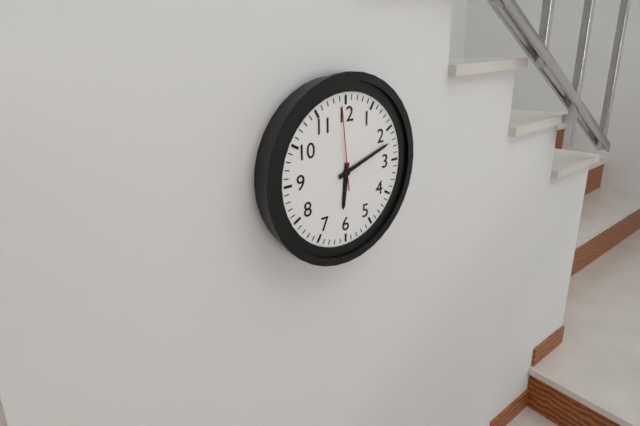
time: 6:12:59
